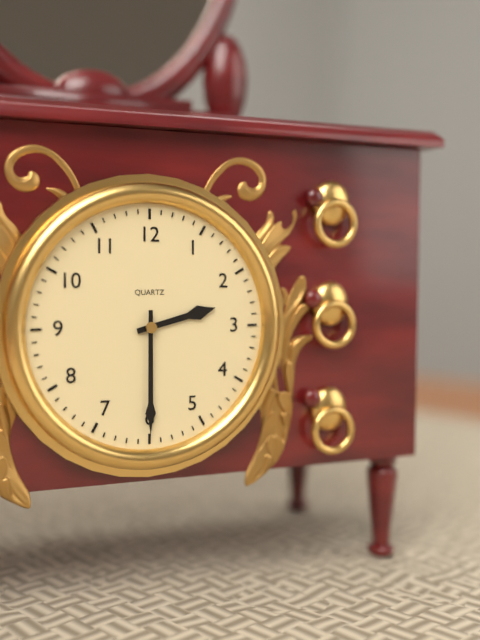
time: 2:30
